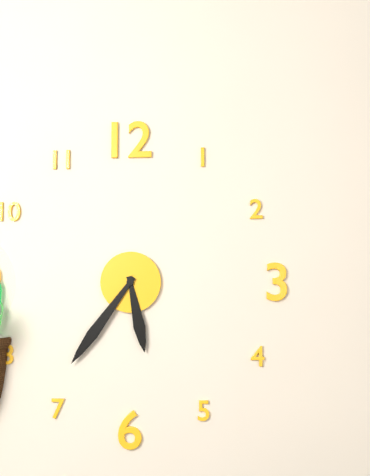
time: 5:36
